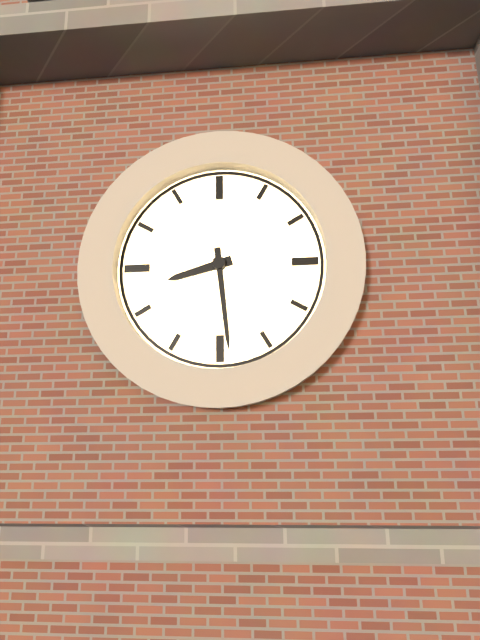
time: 8:29
